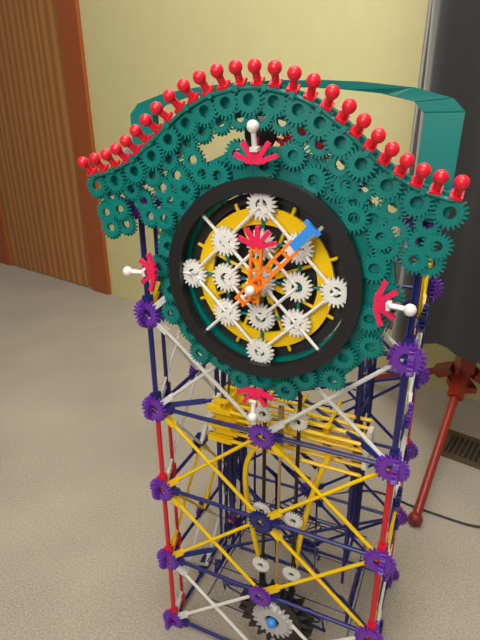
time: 12:07
